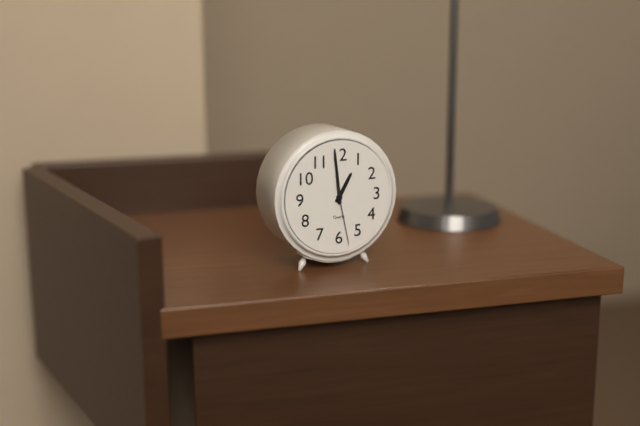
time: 12:59:28
